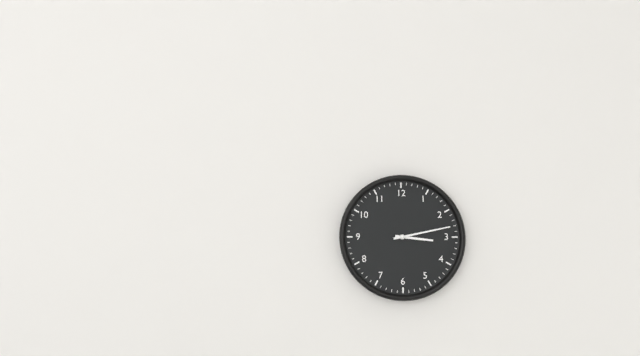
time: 3:13
